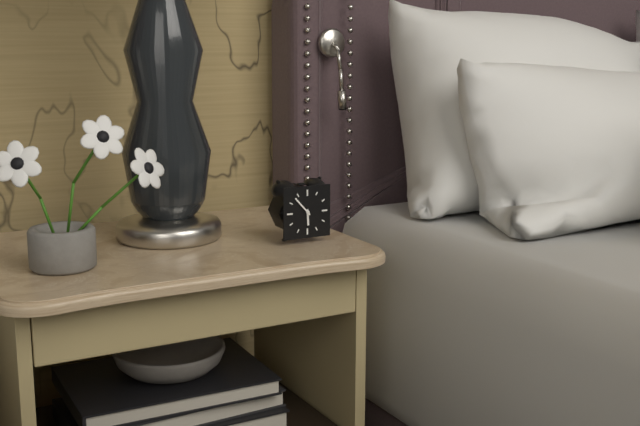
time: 5:53
